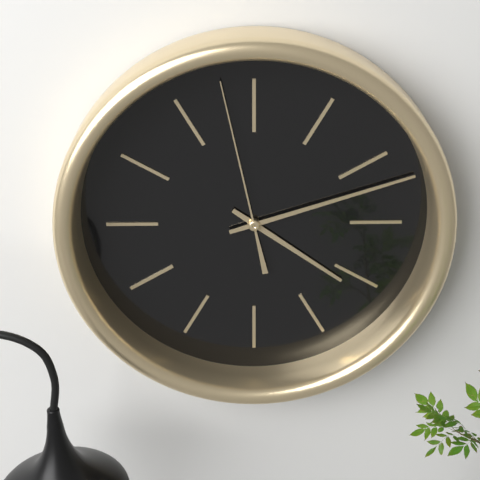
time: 4:12:58
